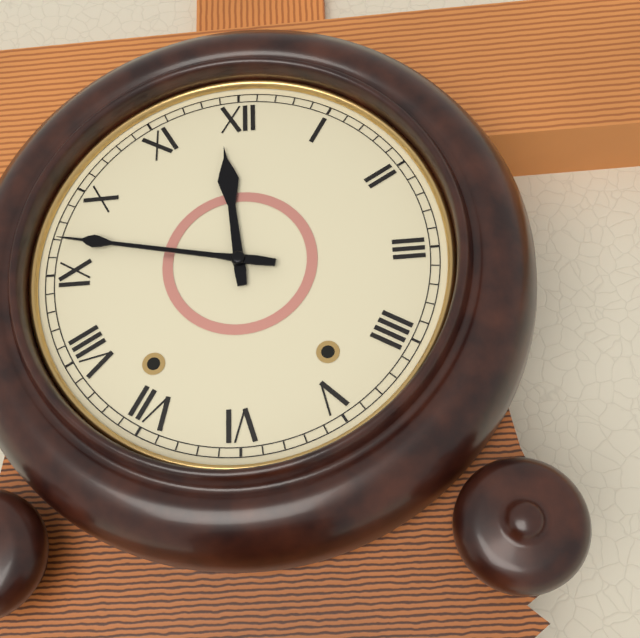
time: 11:47
